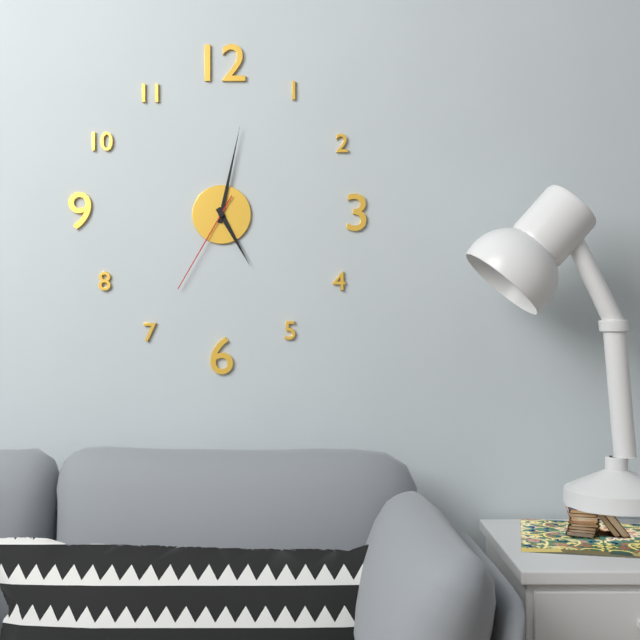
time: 5:02:35
